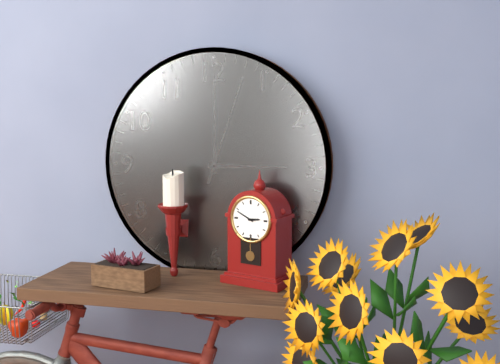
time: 2:49
